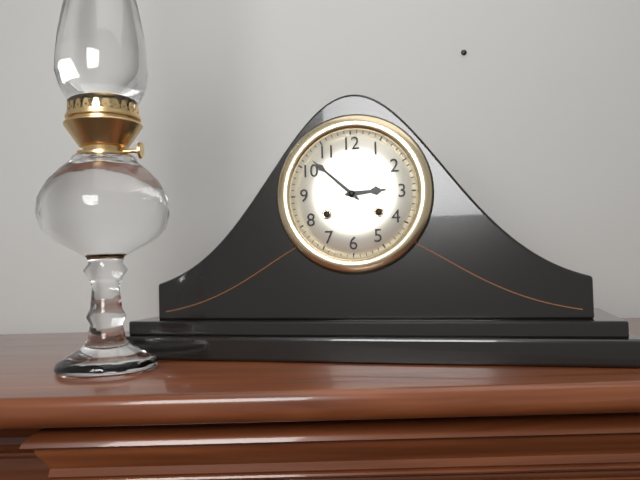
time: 2:52
